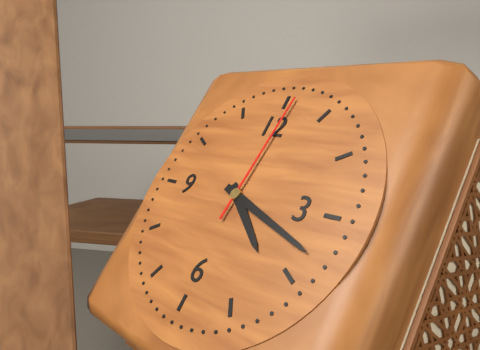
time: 4:18:01
